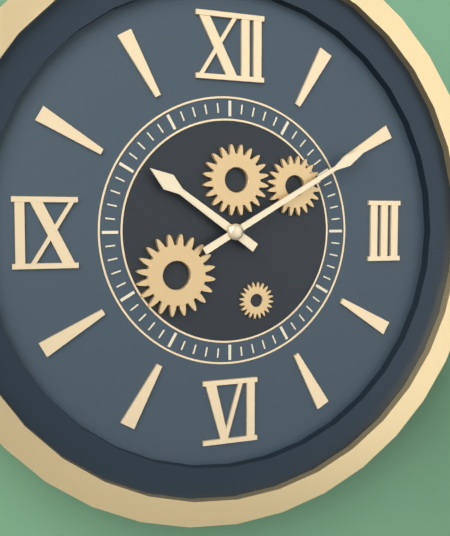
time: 10:10
